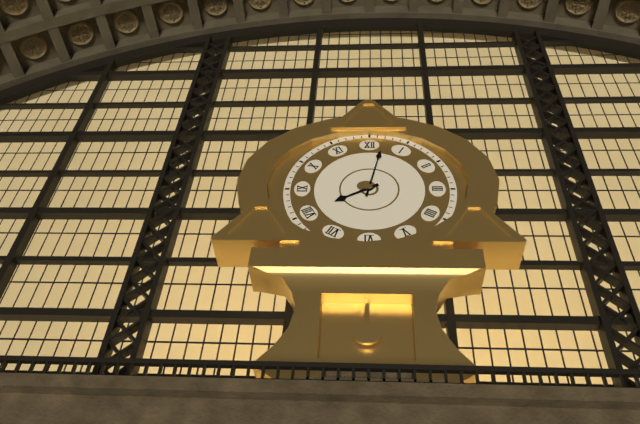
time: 8:02
